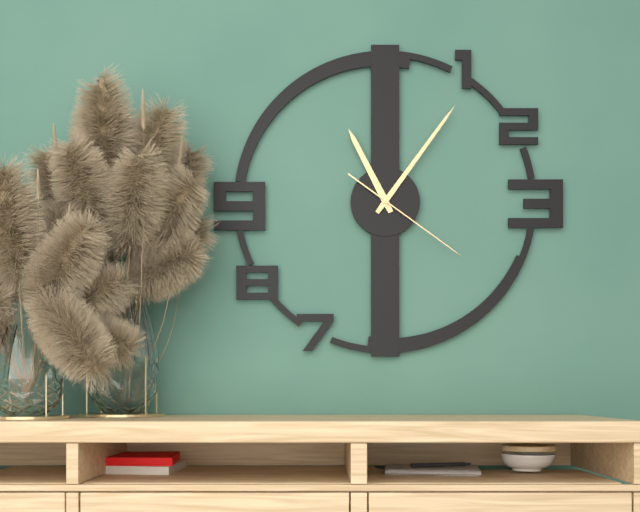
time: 11:06:21
